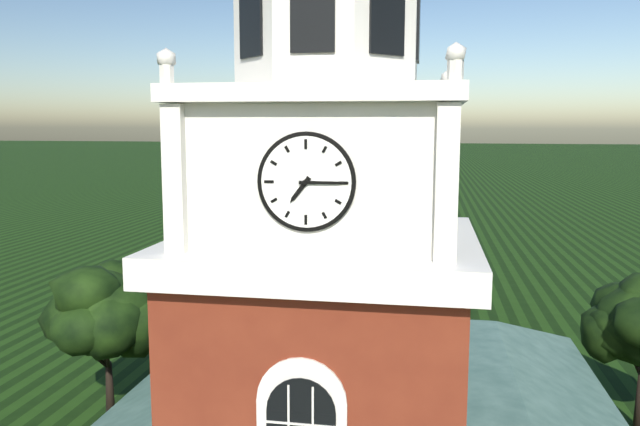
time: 7:15
